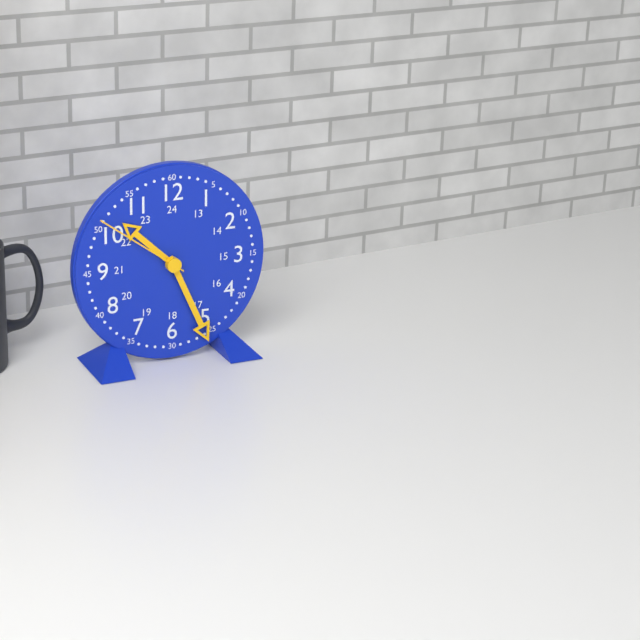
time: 10:26:51
